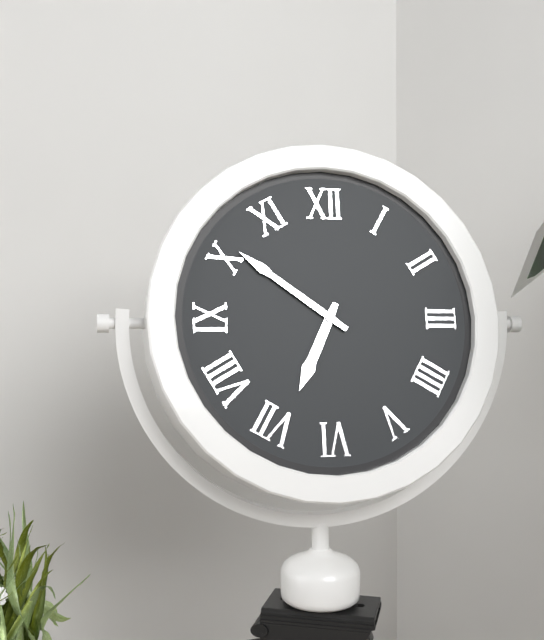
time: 6:51
